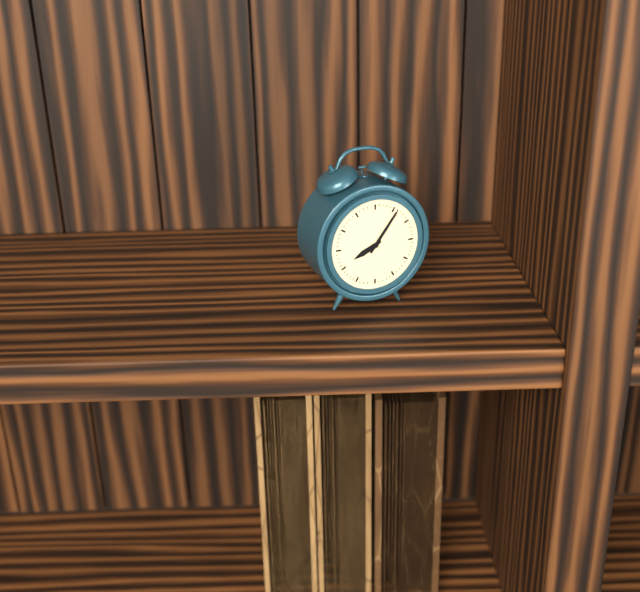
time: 8:06
